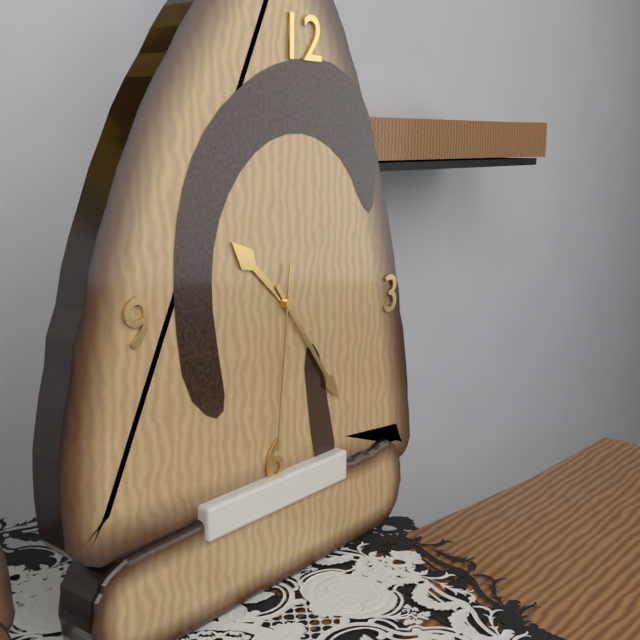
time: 10:24:31
